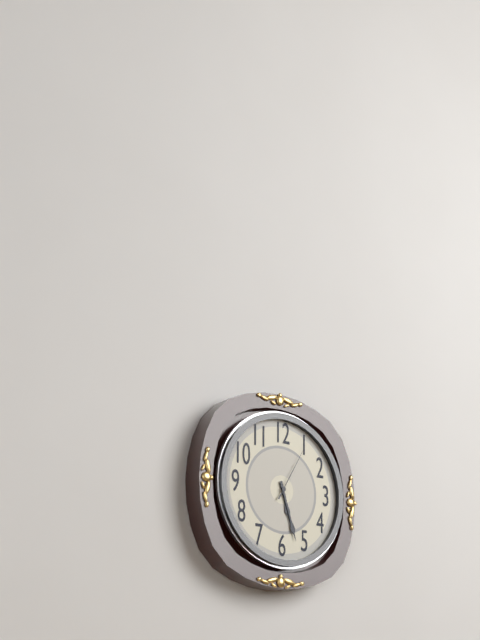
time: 5:27:05
